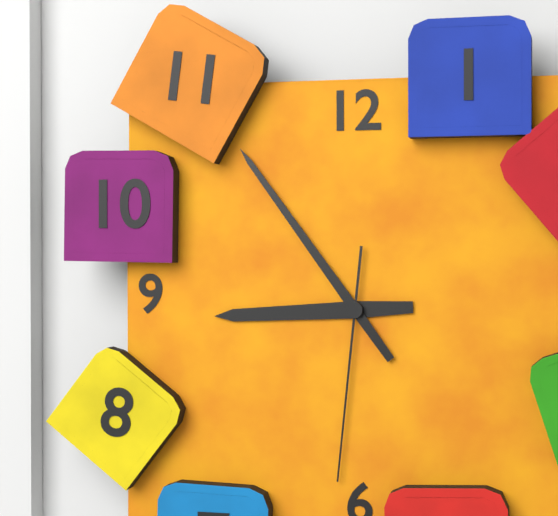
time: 8:54:31
